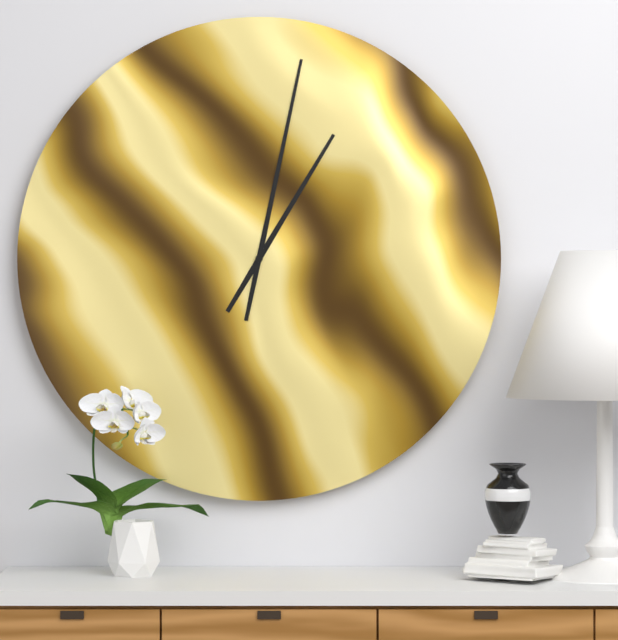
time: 1:02
